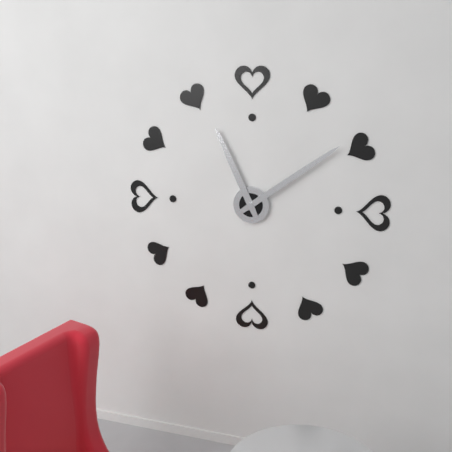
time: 11:09
